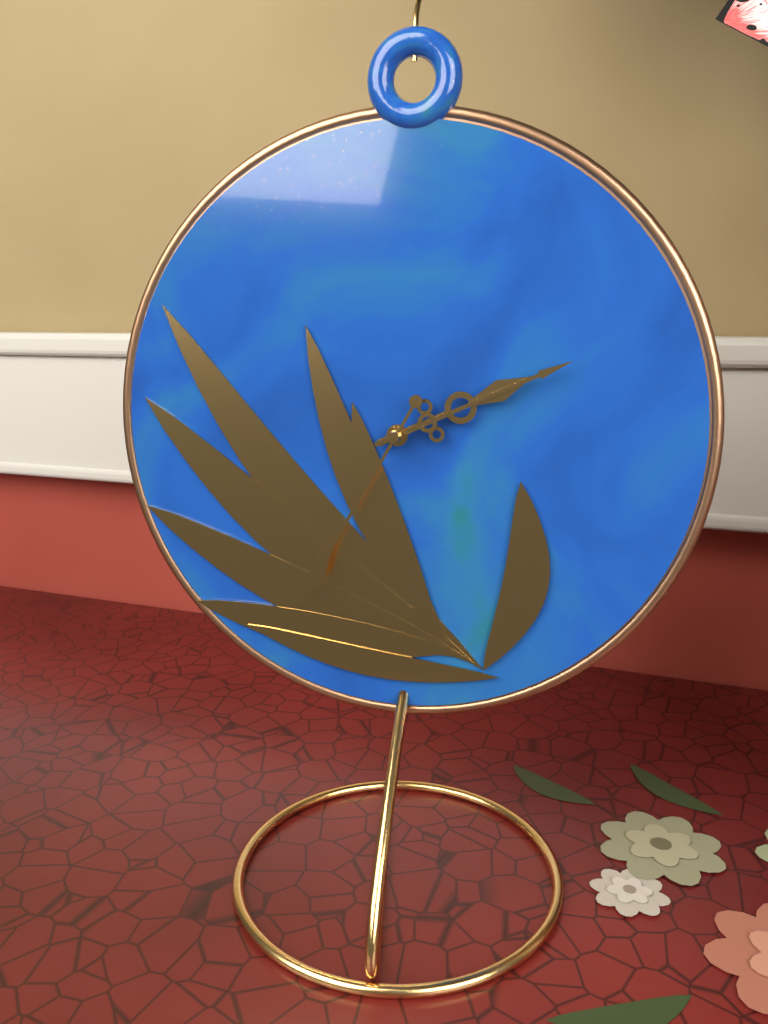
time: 2:11:35
